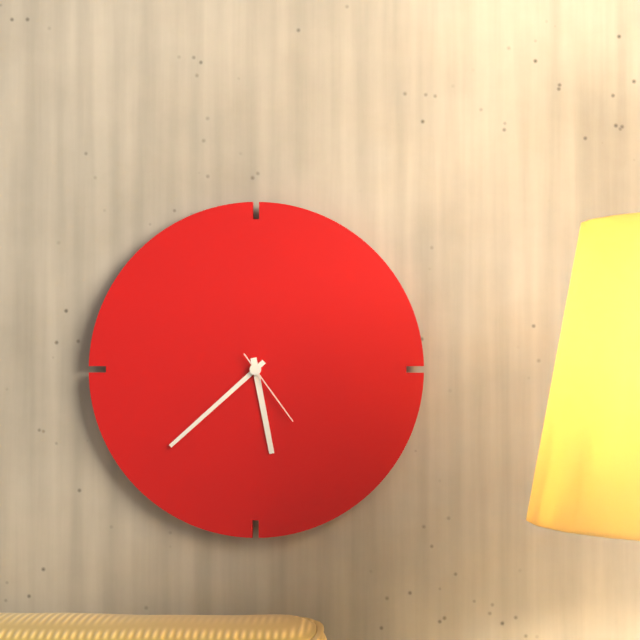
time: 5:38:24
